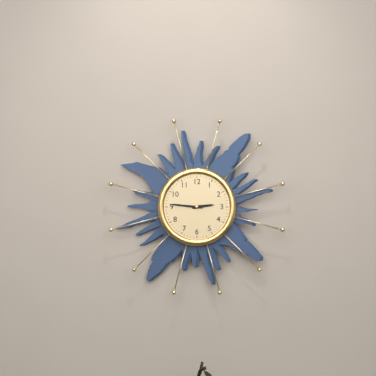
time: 2:46
